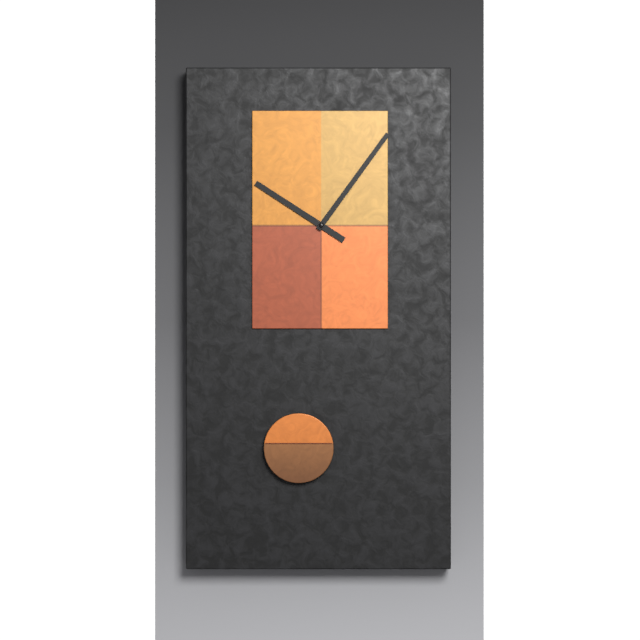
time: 10:06
